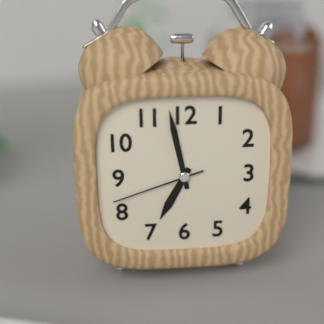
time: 6:58:42
